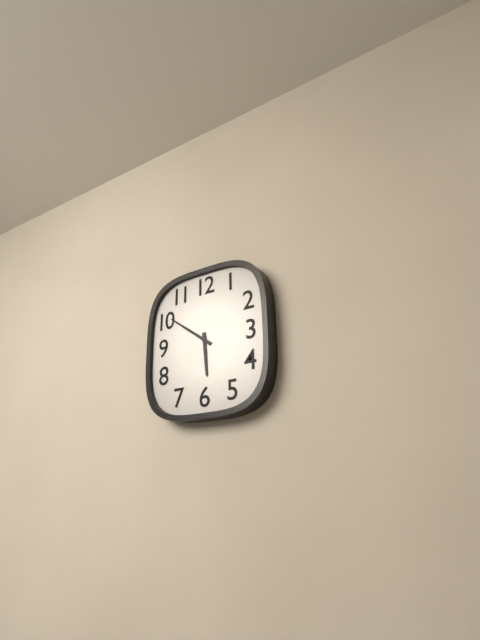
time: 5:51
